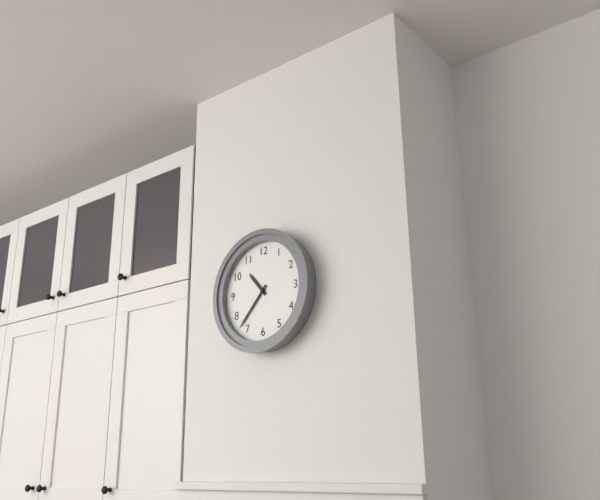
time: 10:37
